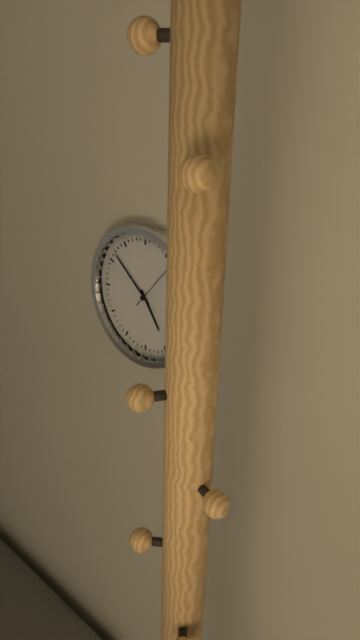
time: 4:52:07
